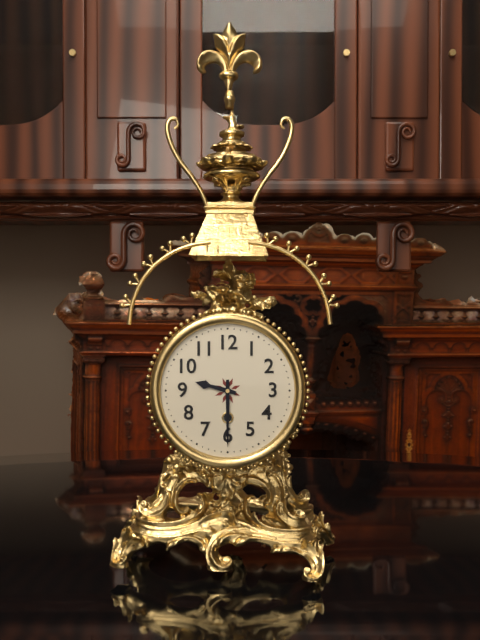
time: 9:30
